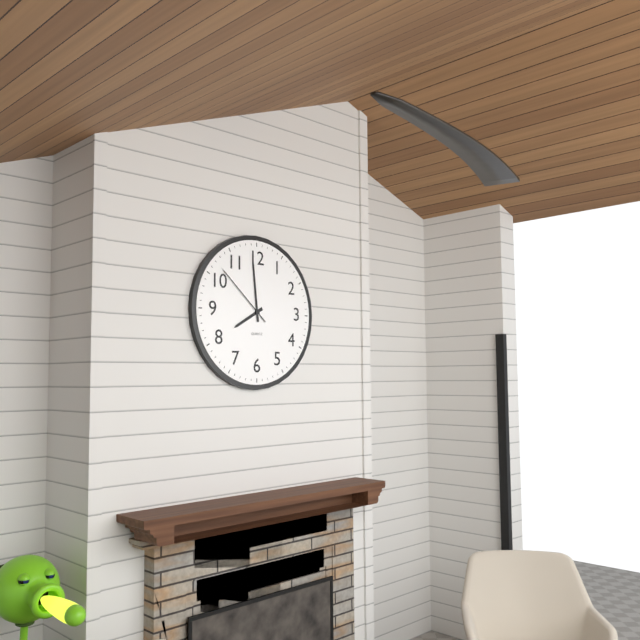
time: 7:59:52
